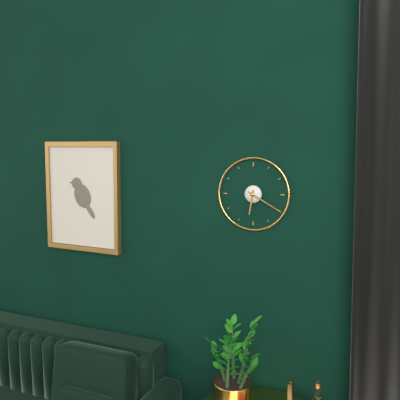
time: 6:20
